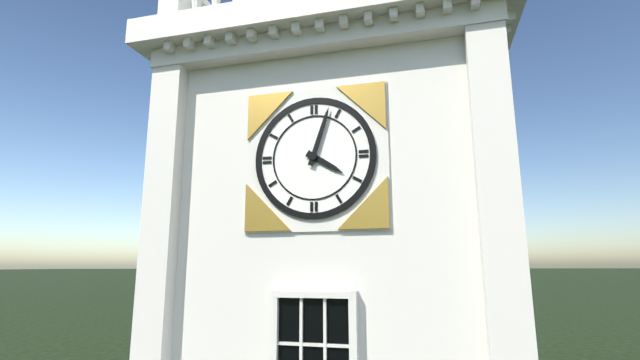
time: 4:03
